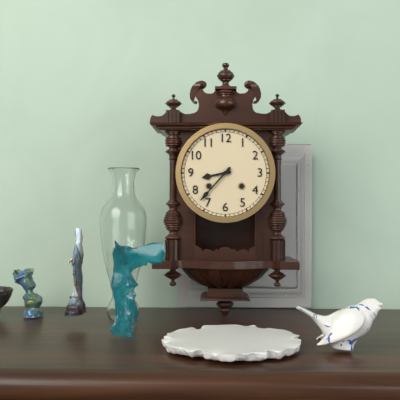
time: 8:37
